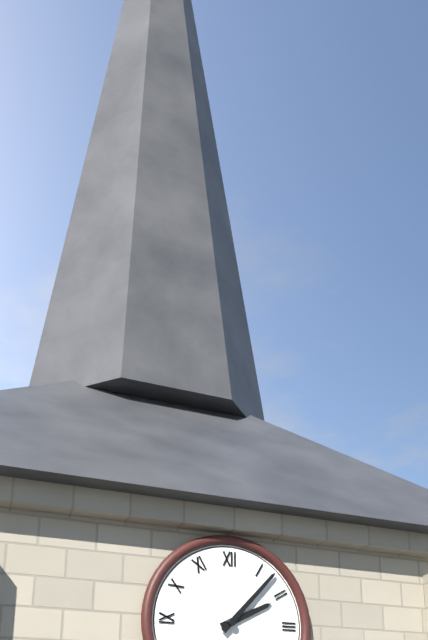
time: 2:07
